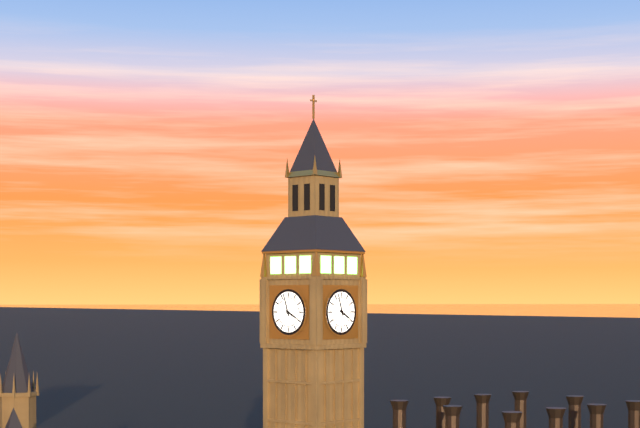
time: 3:57
